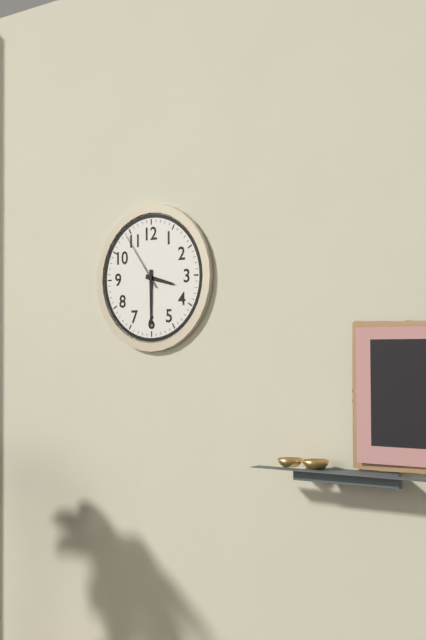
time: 3:30:54
